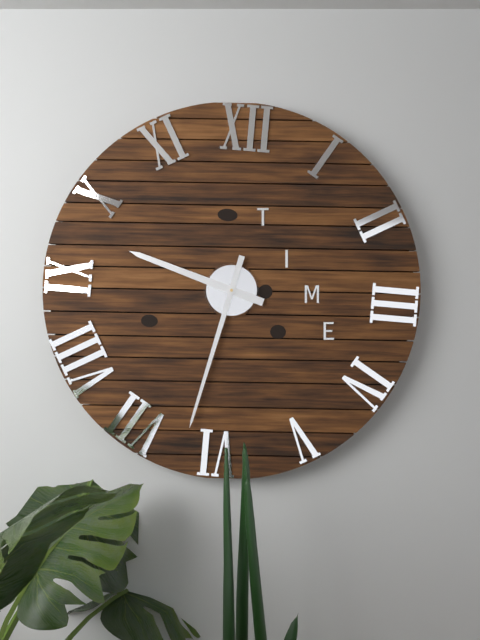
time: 9:32
